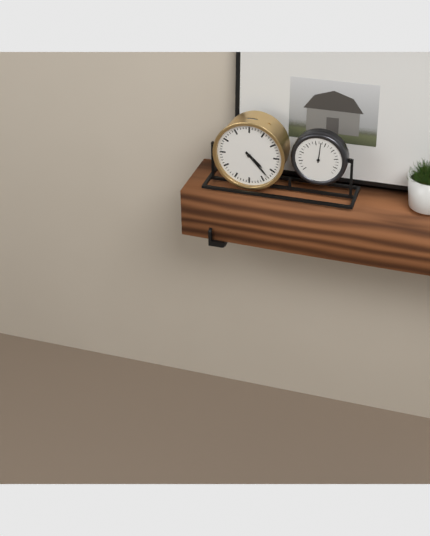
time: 4:23
